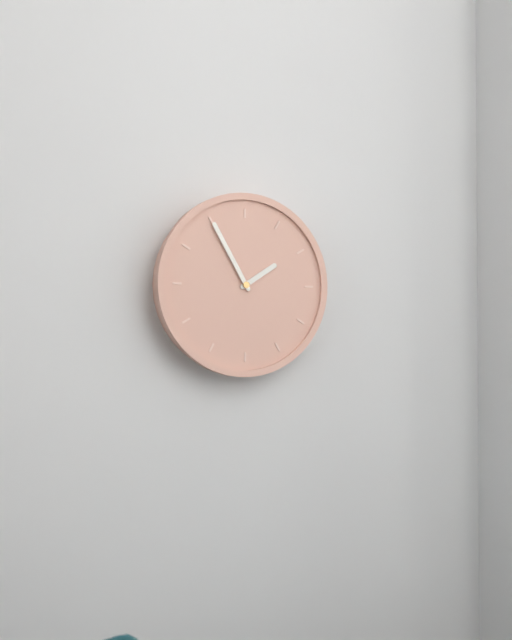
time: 1:55
